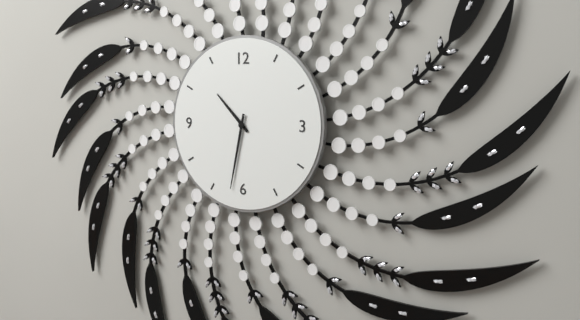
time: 10:32
